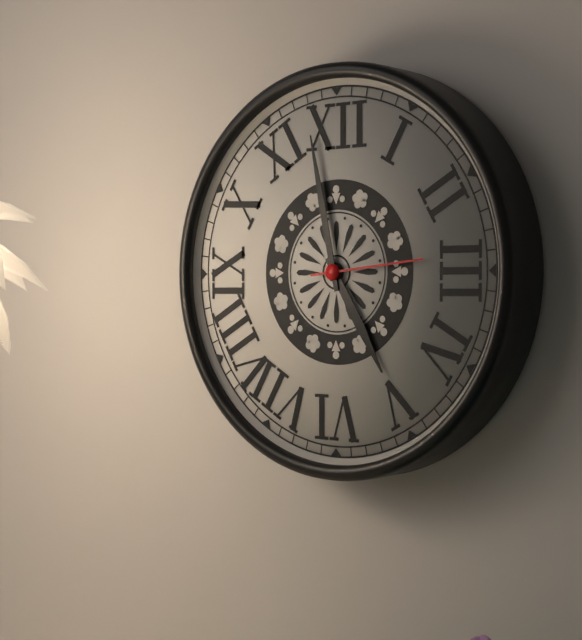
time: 4:58:14
